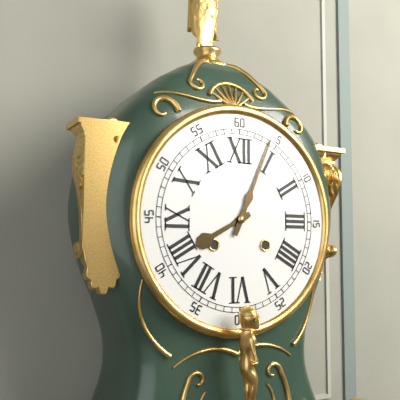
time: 8:04
